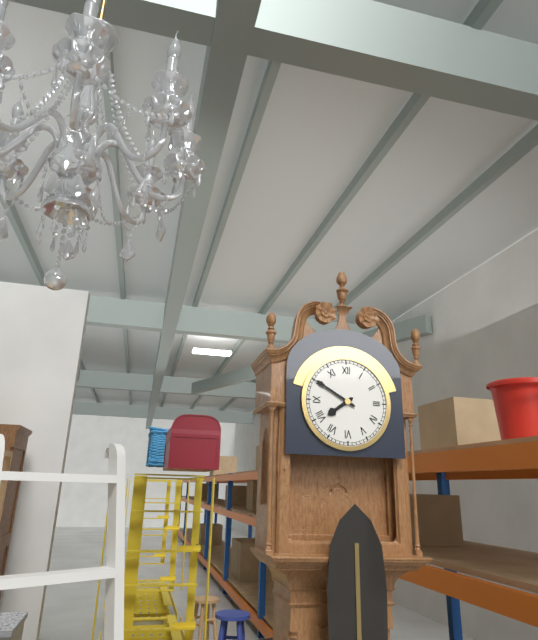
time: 7:50
